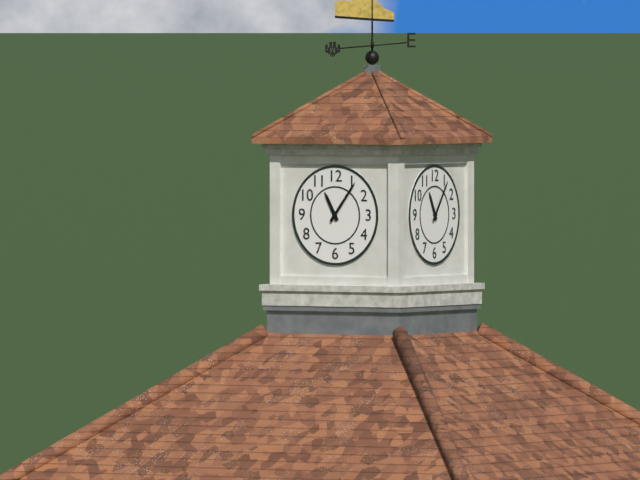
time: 11:06
